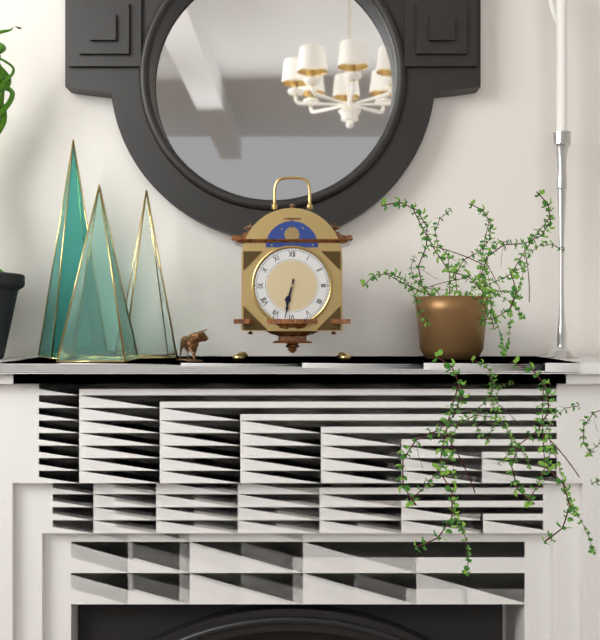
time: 6:32
